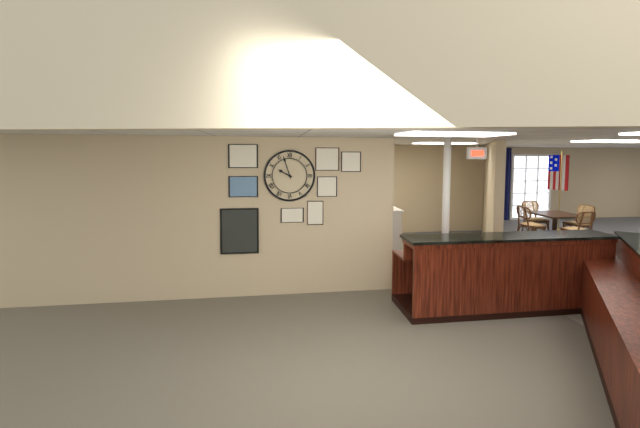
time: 9:57
